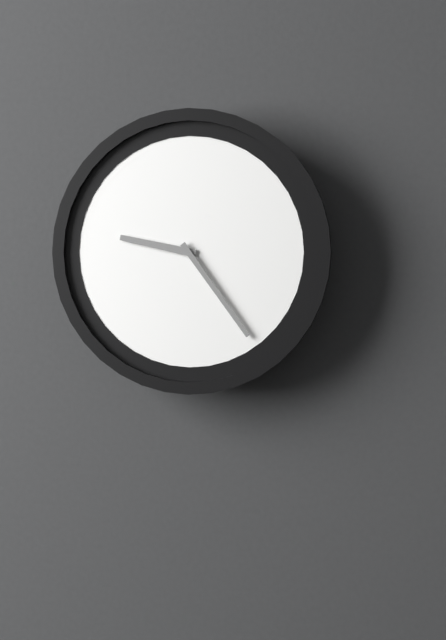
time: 9:24
